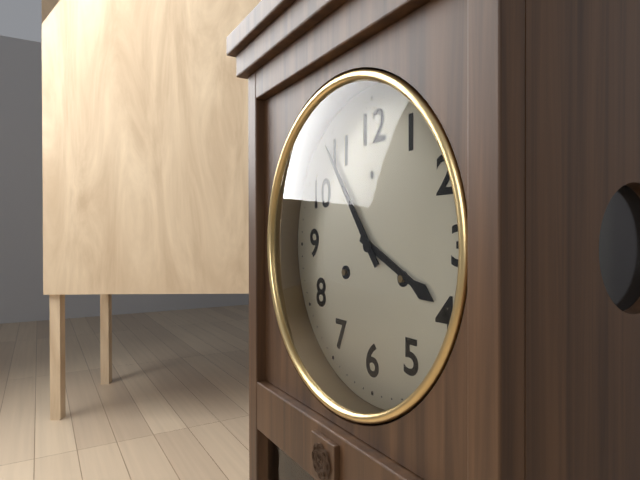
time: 3:54
